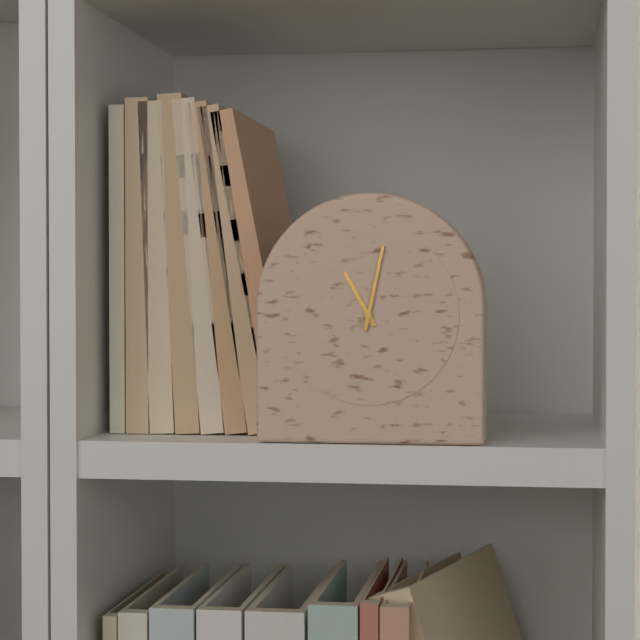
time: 11:02
